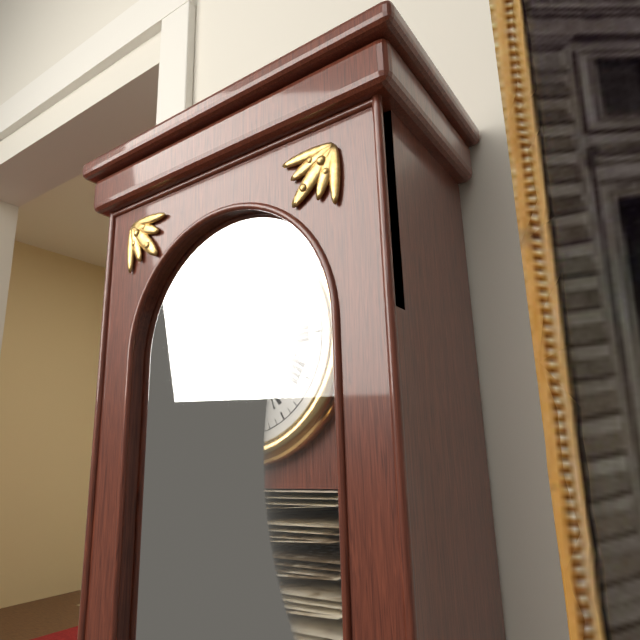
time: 11:18
